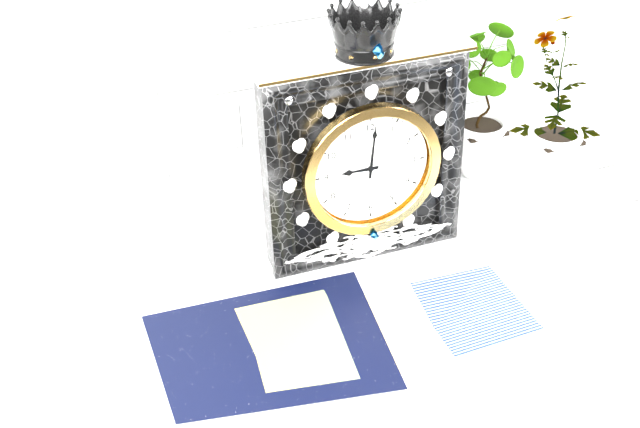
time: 9:01
